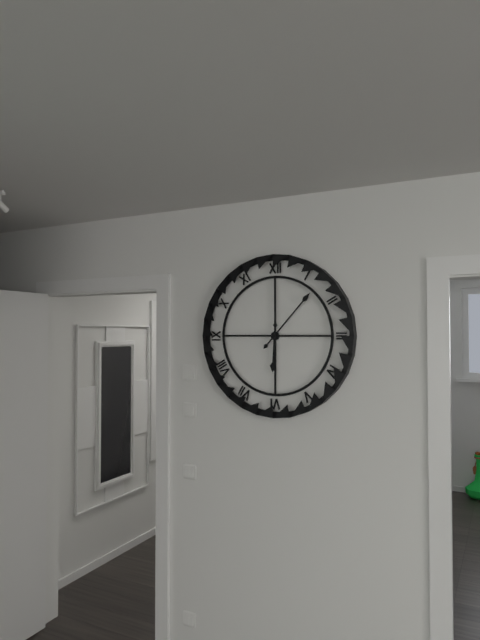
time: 6:07
